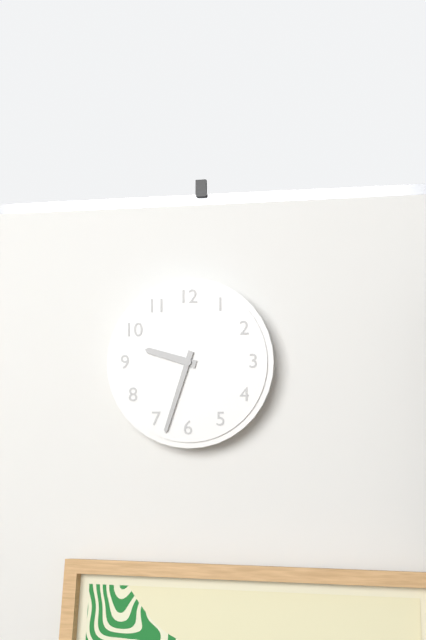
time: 9:33
